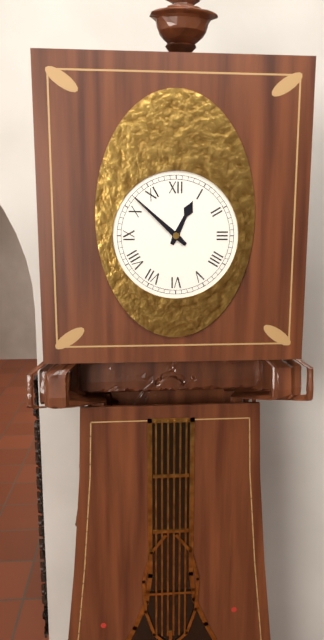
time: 12:52
